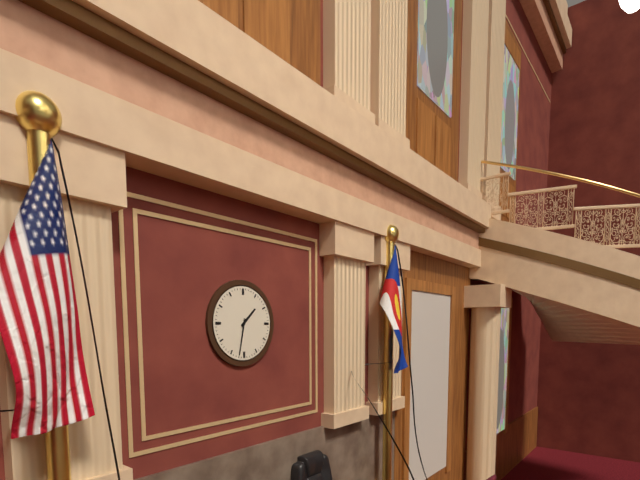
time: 1:32
